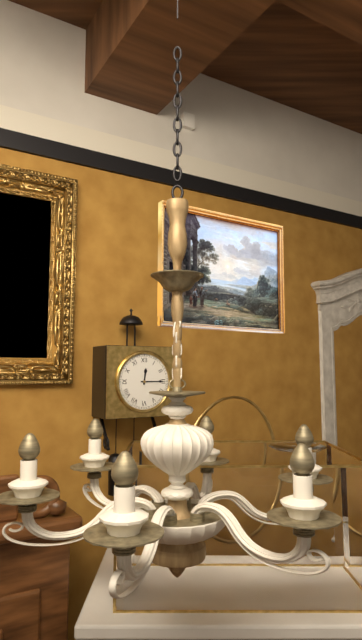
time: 12:15
